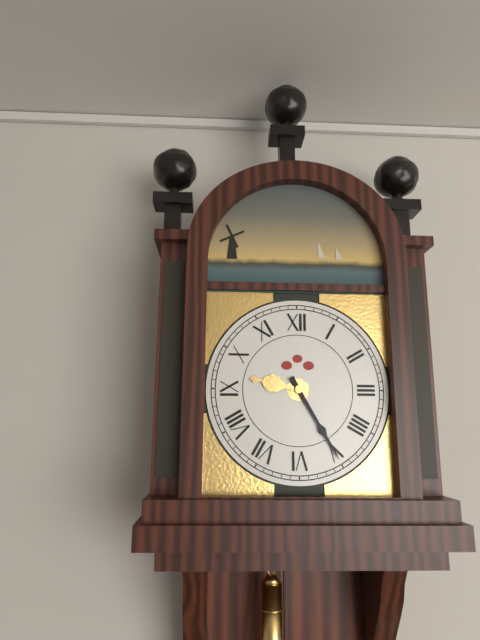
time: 9:25
